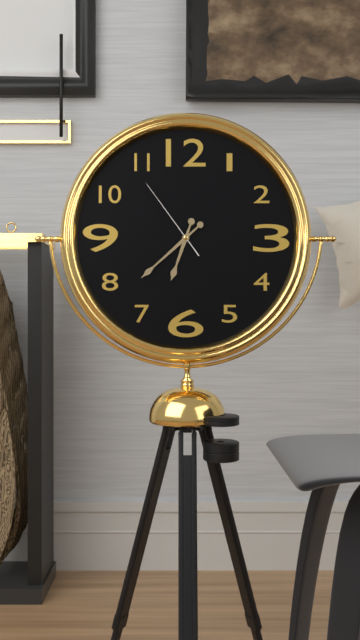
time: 6:38:54
